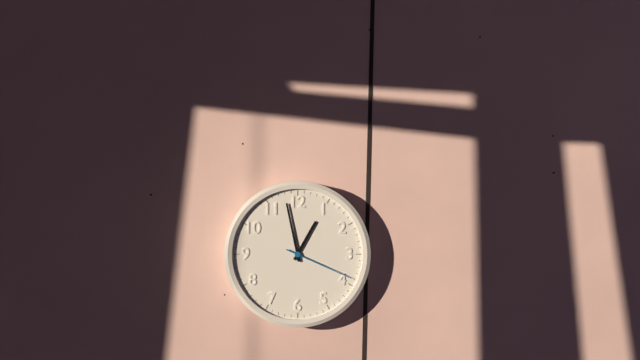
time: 12:58:19
